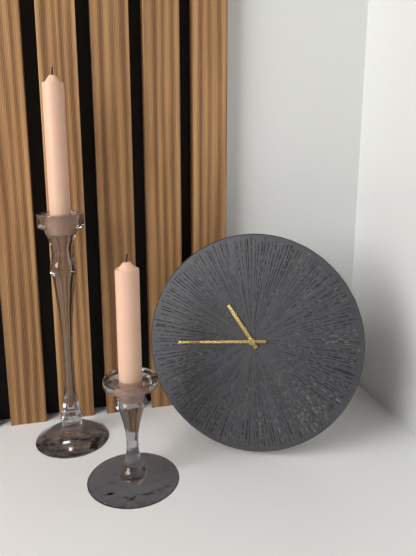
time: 10:44
